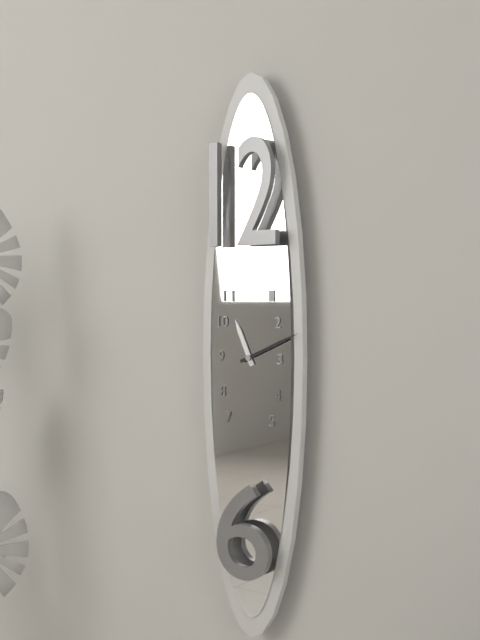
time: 11:11
